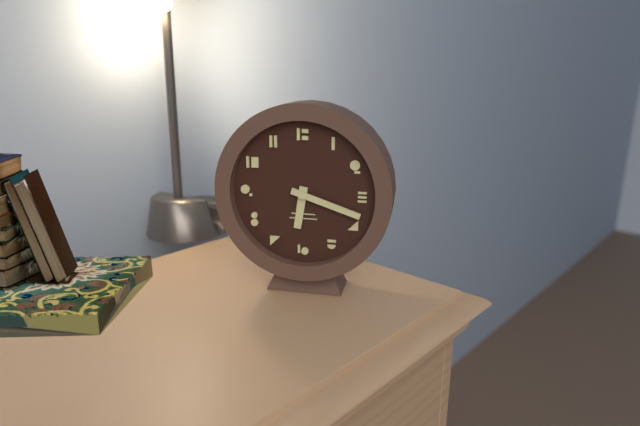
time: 6:18
